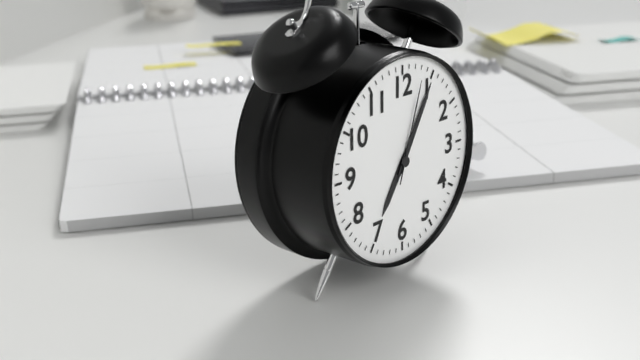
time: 7:05:03
